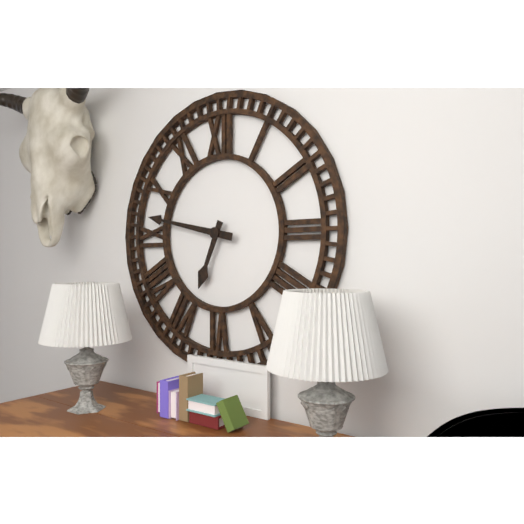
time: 6:47
